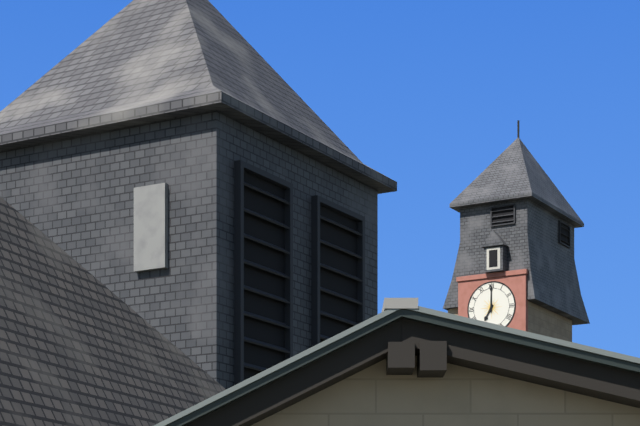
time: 7:00
